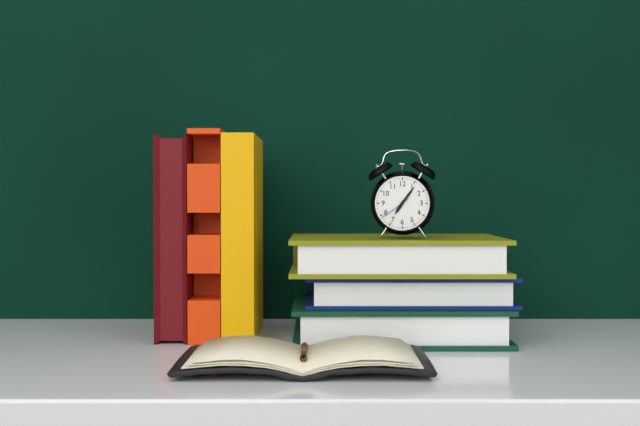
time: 7:06
